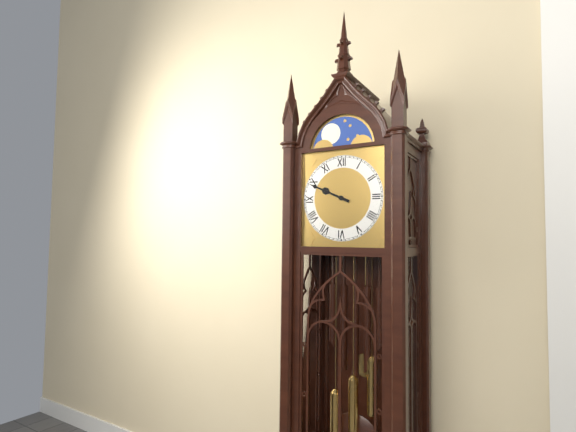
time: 9:49
